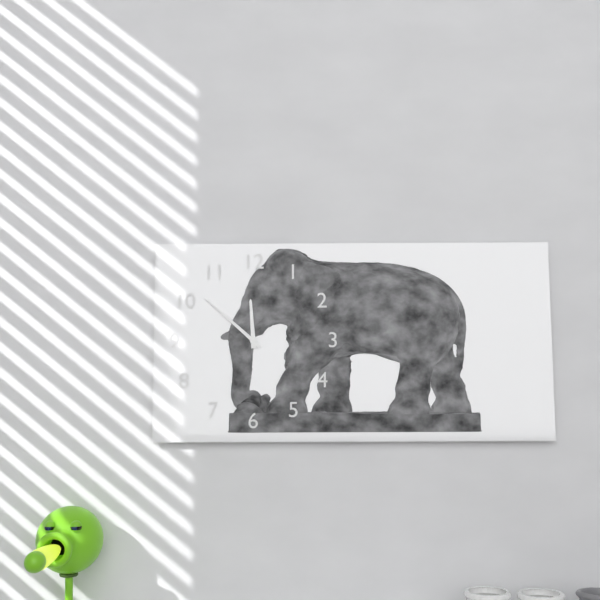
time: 11:52
